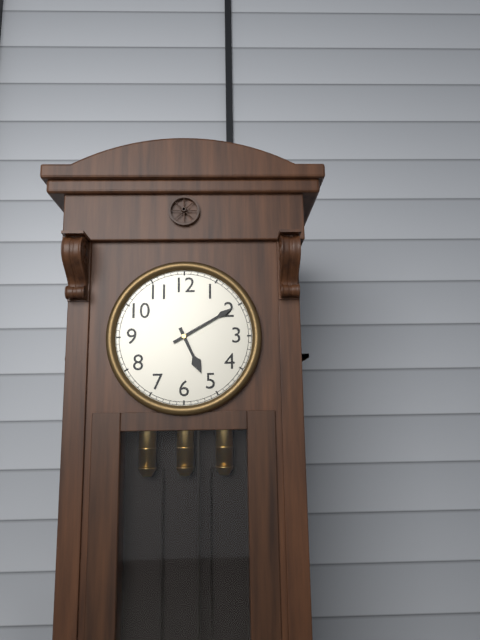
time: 5:10
